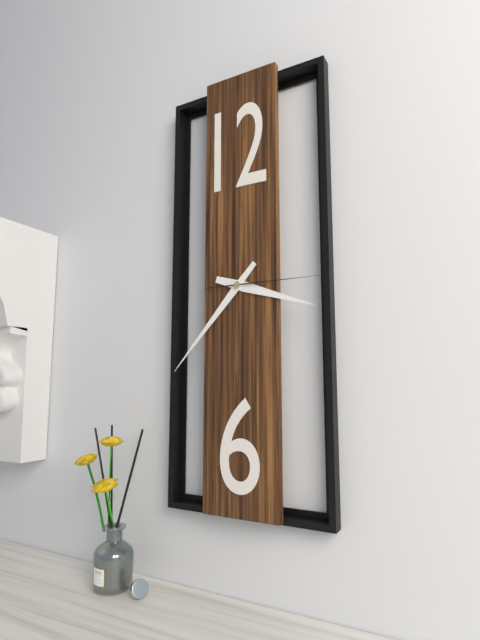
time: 3:37:15
